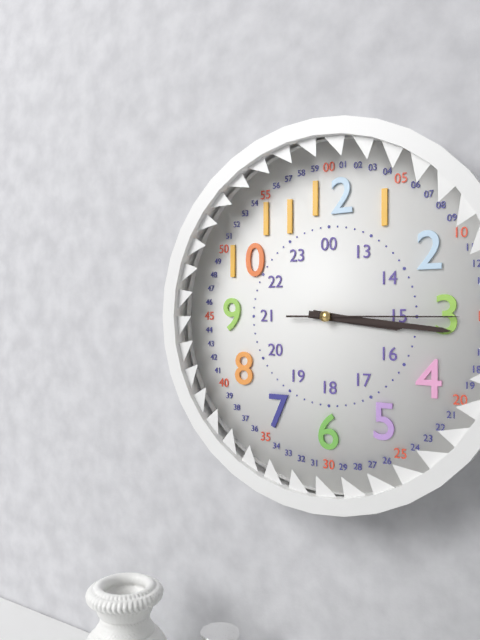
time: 3:16:15
